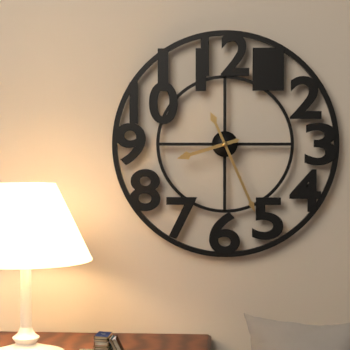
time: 8:26
